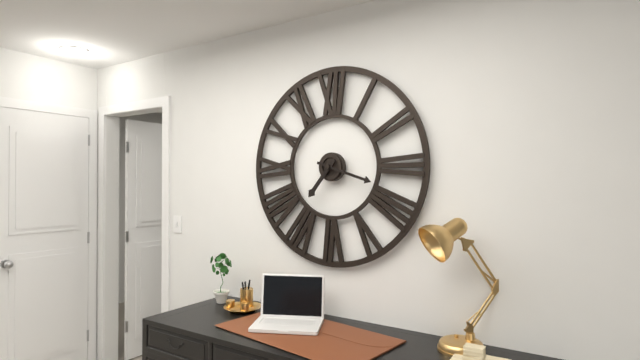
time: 7:18
